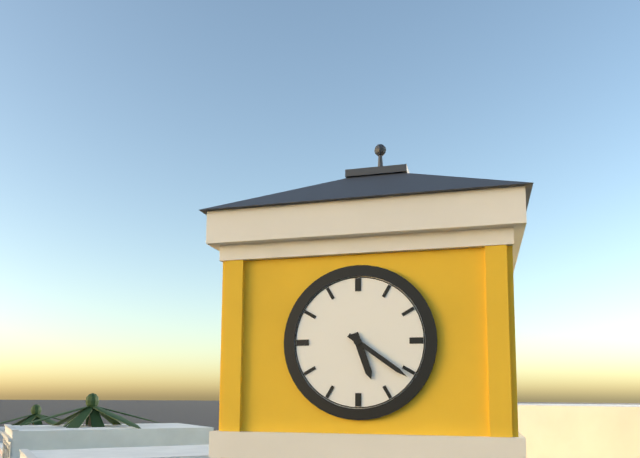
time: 5:21
